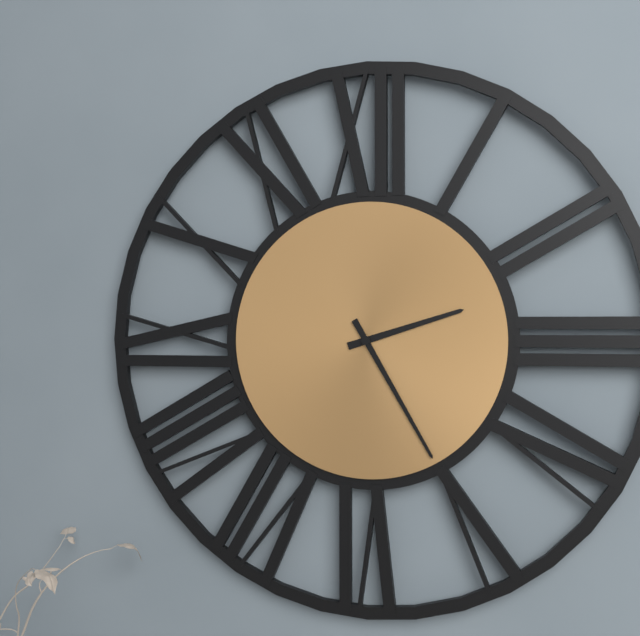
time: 2:25
